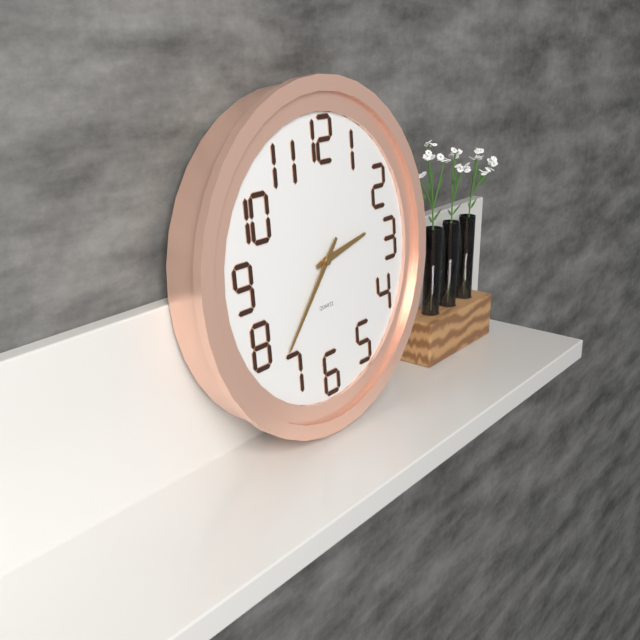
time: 2:37
